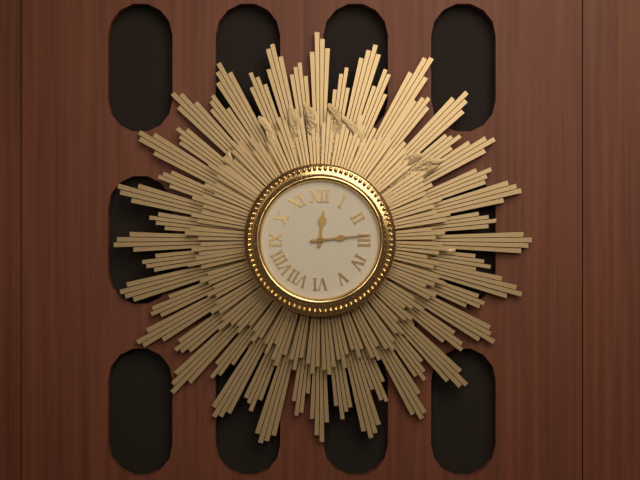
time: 12:14
